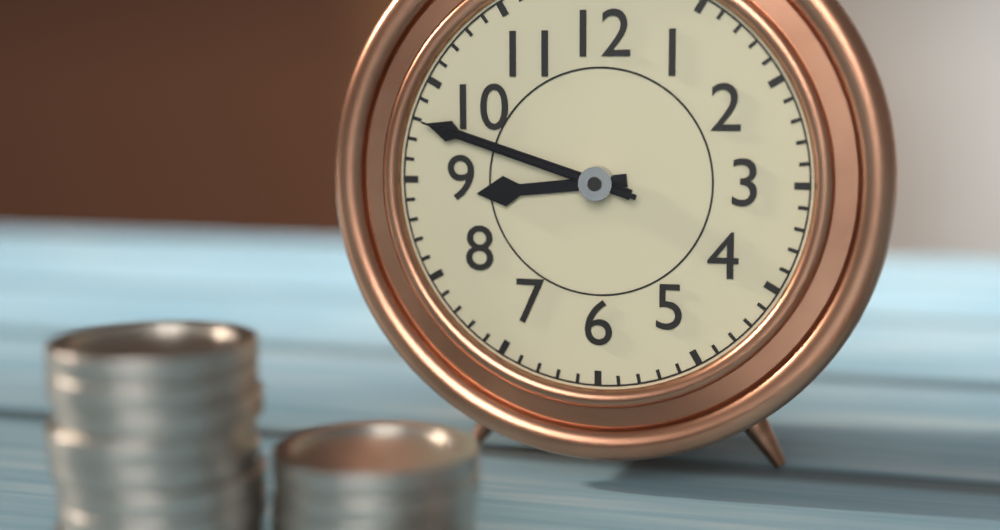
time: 8:48:48
